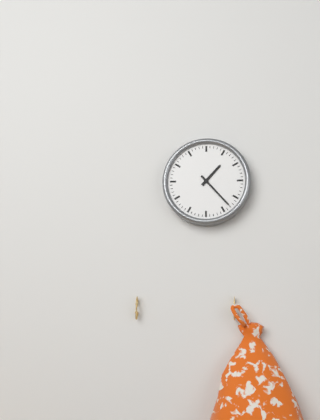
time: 1:23
